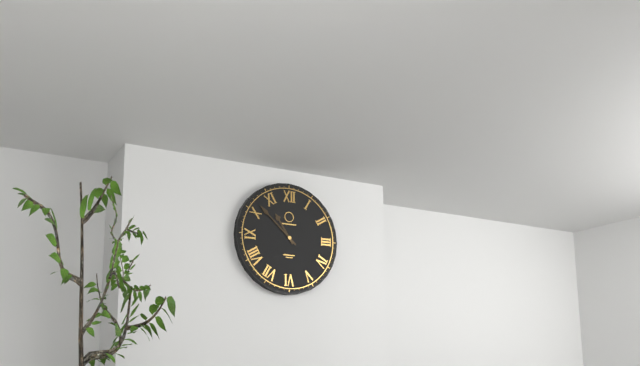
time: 10:52
